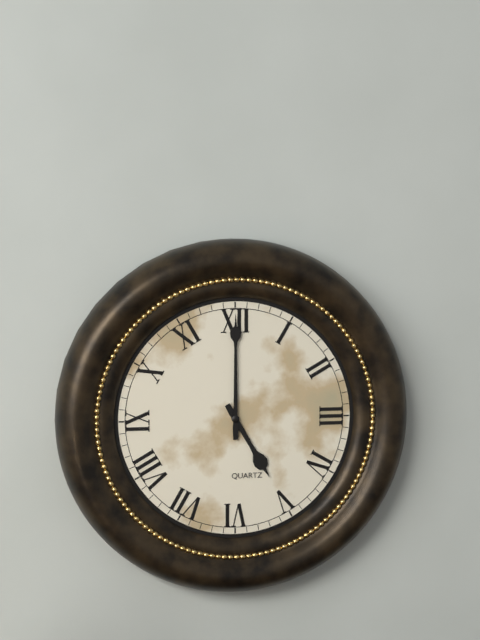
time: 5:00
